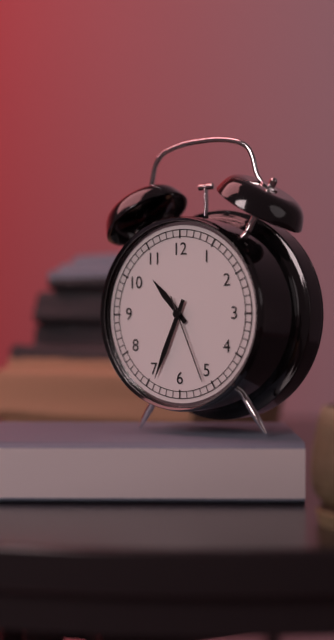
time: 10:34:26
